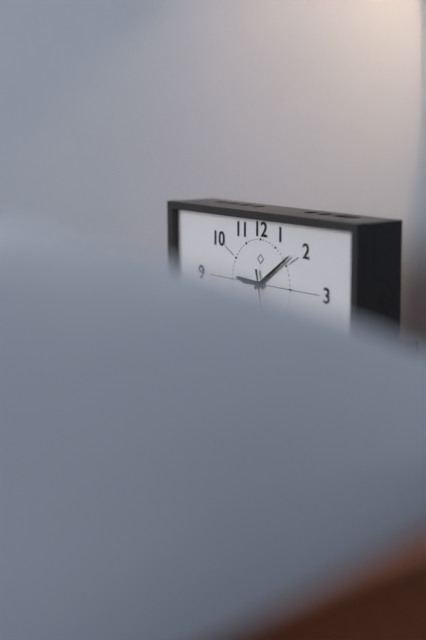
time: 9:09
